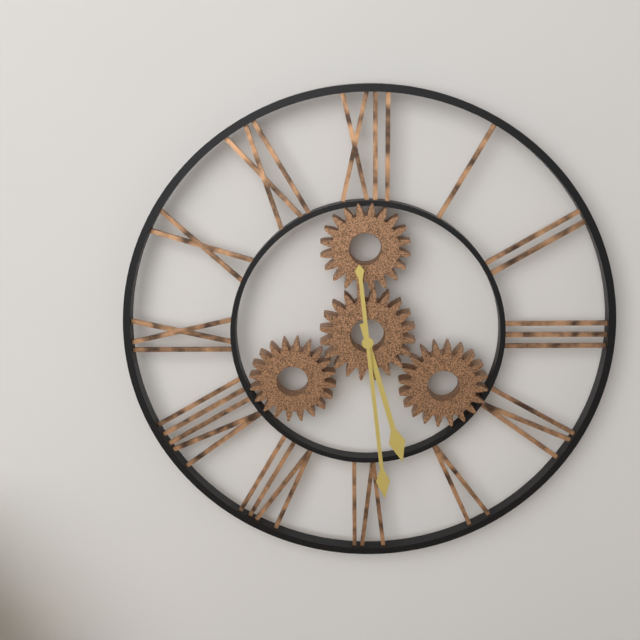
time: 5:29
